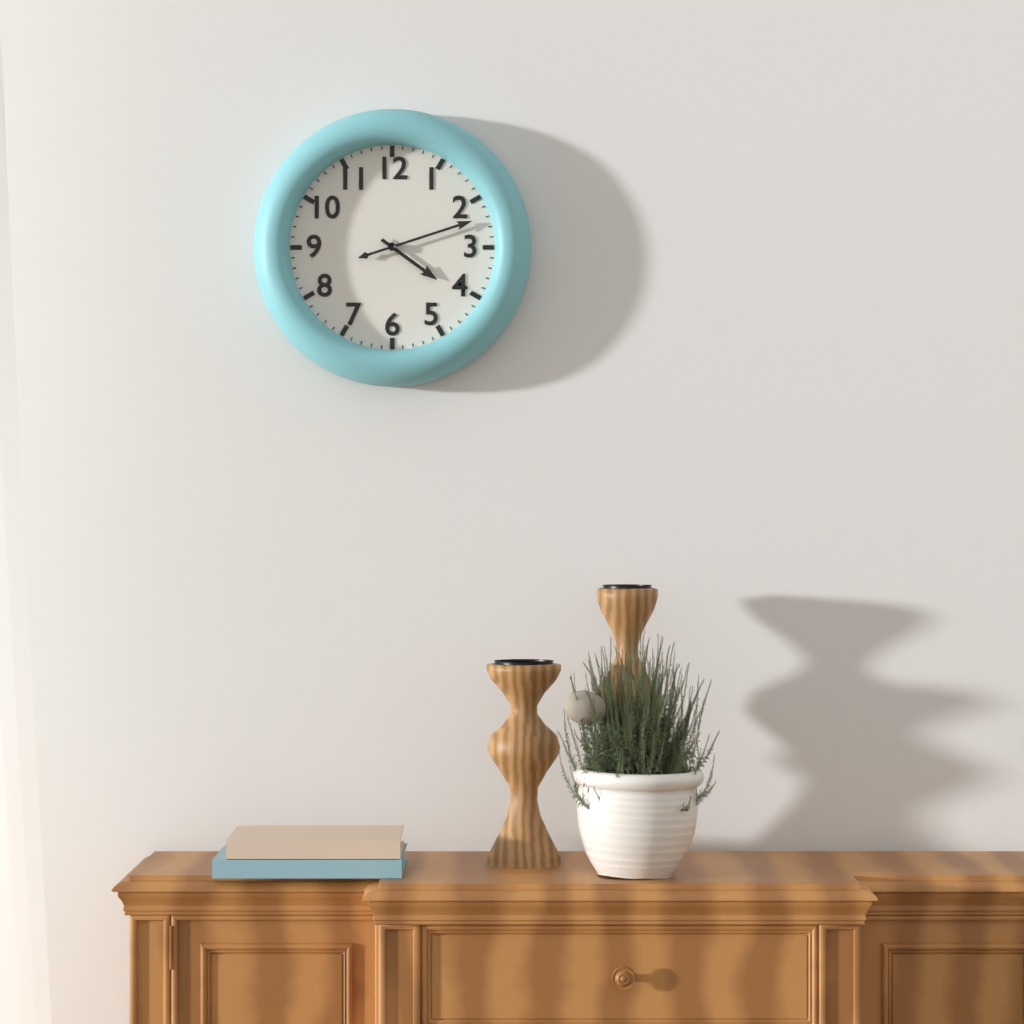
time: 4:12
